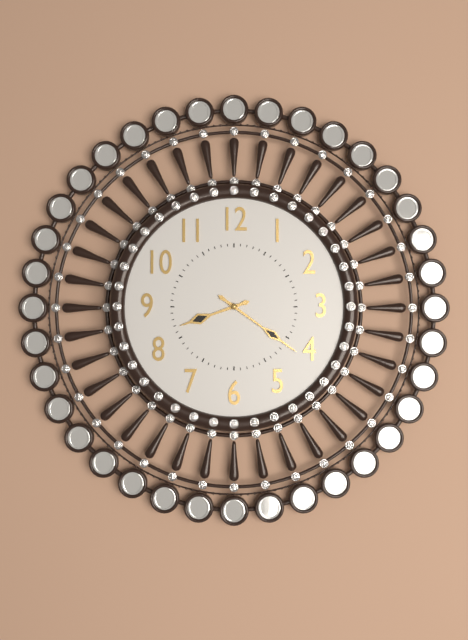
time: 8:21
